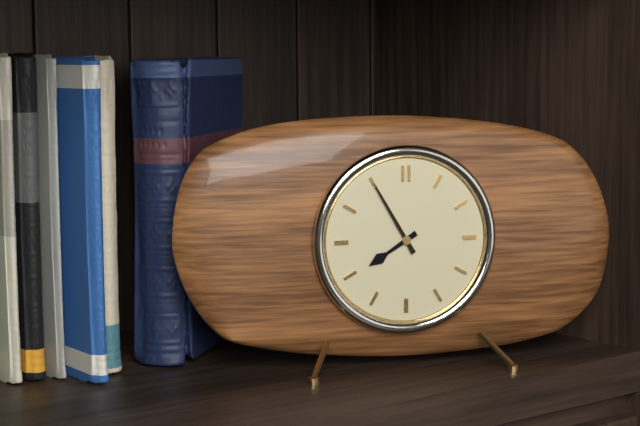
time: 7:55
